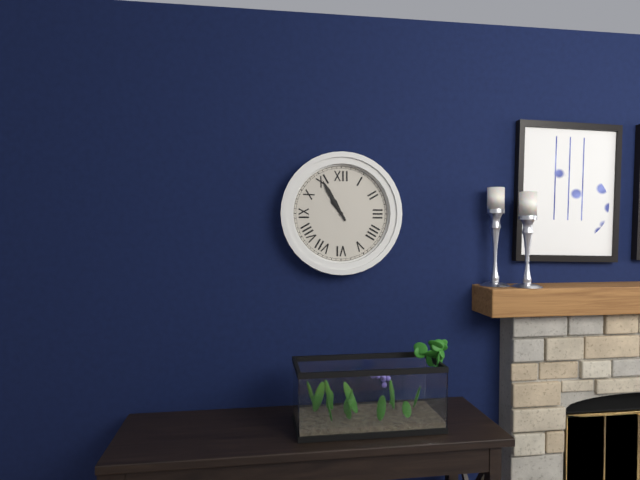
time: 10:55
